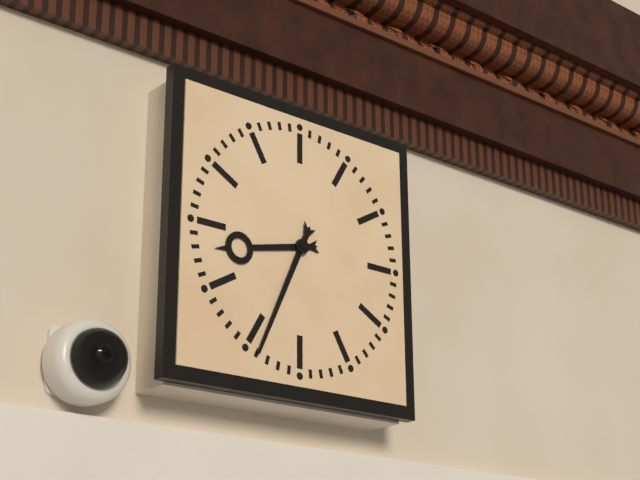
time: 8:34
